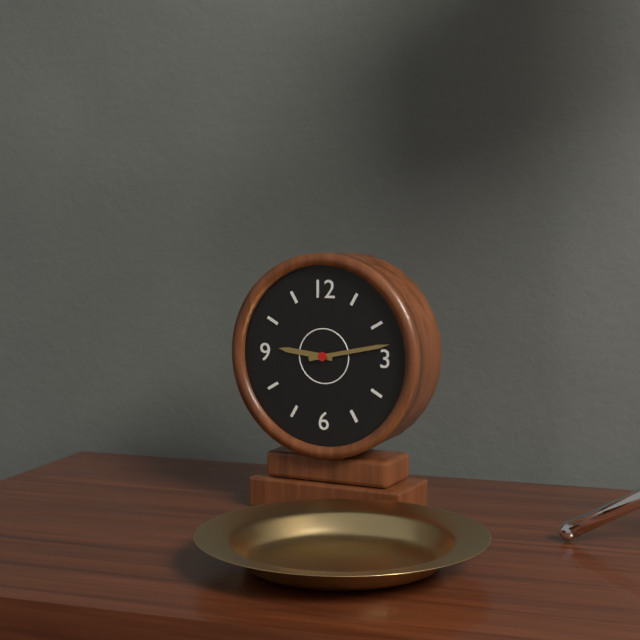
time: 9:13
